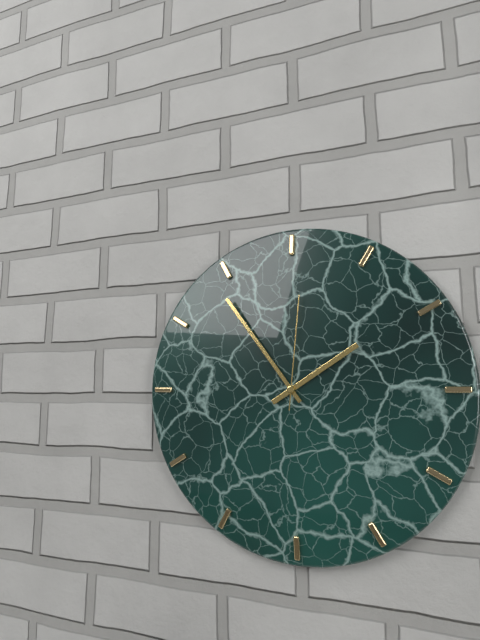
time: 1:54:01
